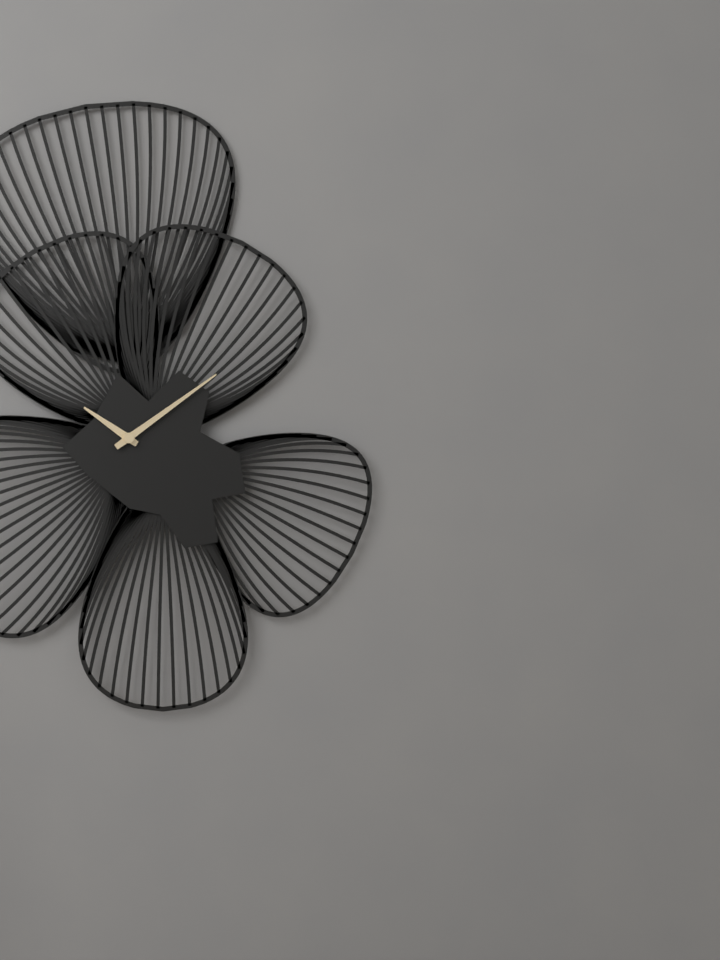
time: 10:09
